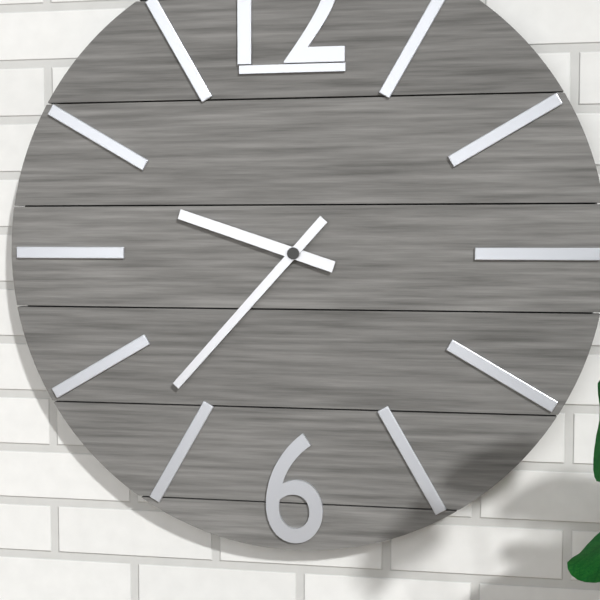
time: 9:37
